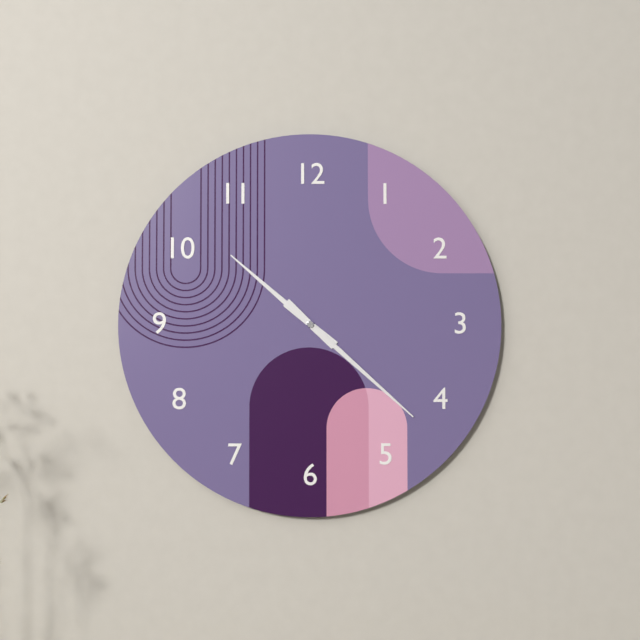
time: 10:22
